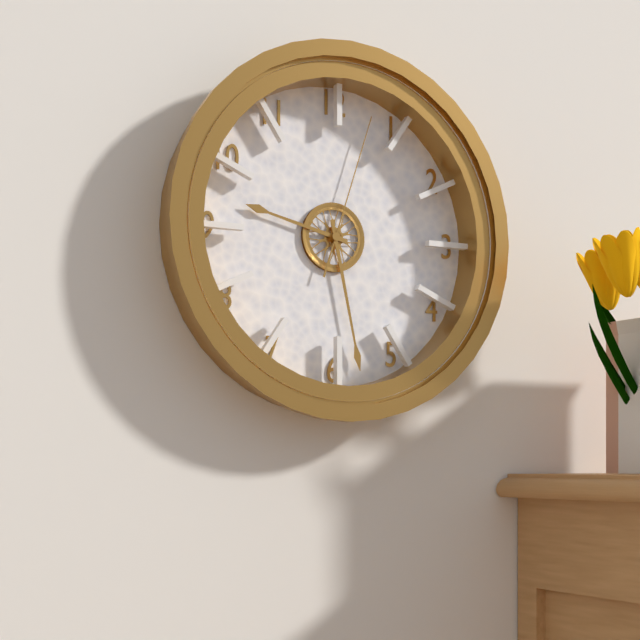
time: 9:28:03
